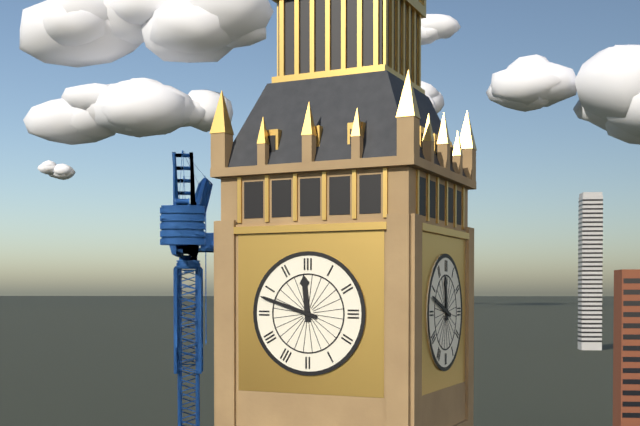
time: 11:48
